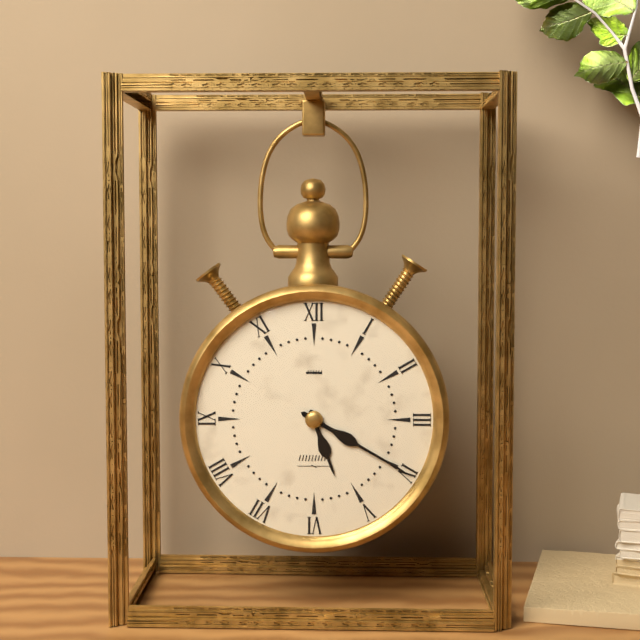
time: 5:20
